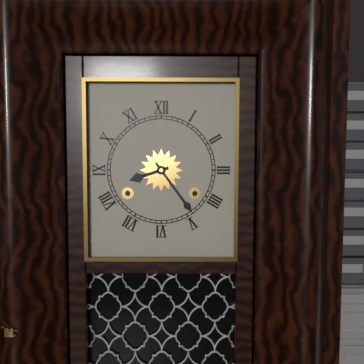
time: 8:24
